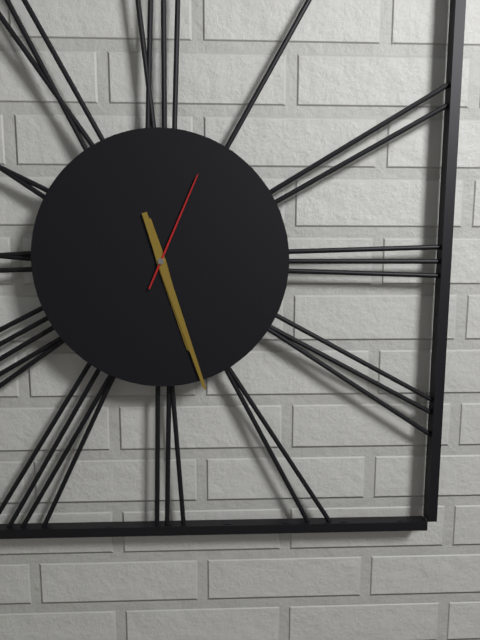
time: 5:27:04
